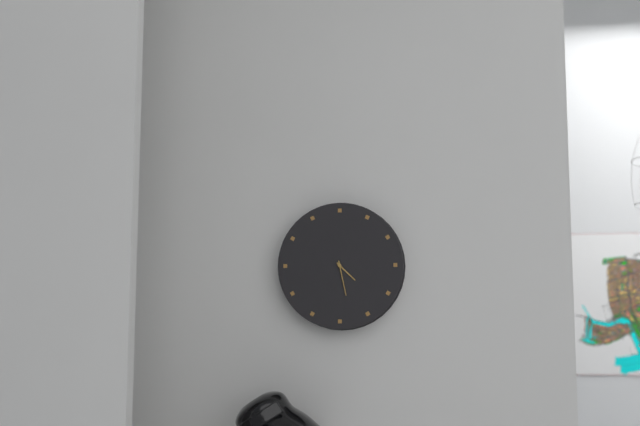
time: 4:28
